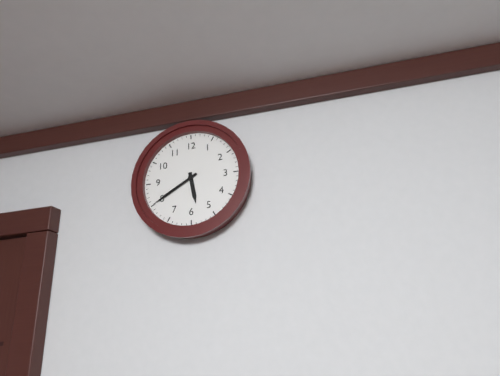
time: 5:40
